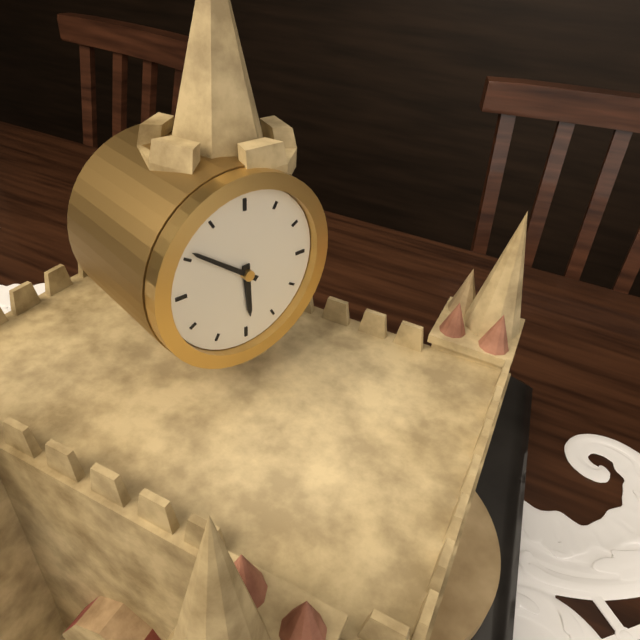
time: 5:51
